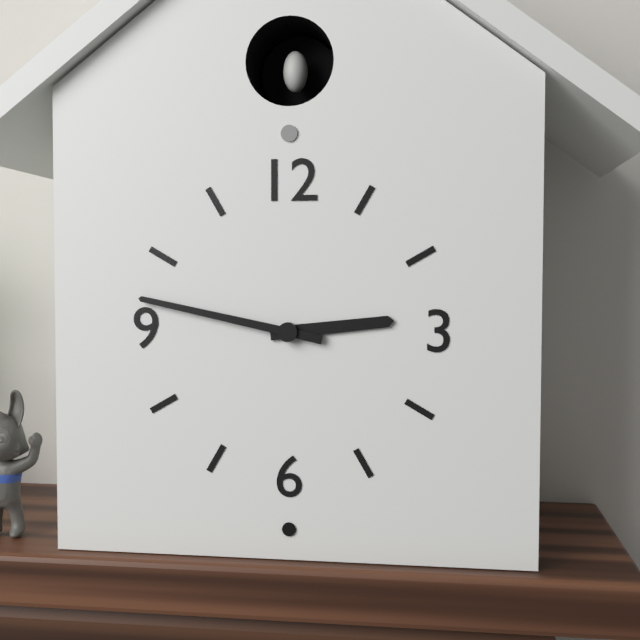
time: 2:47
